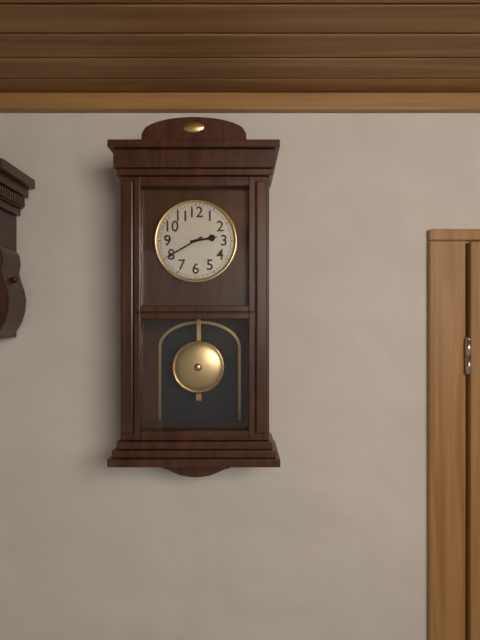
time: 2:40
